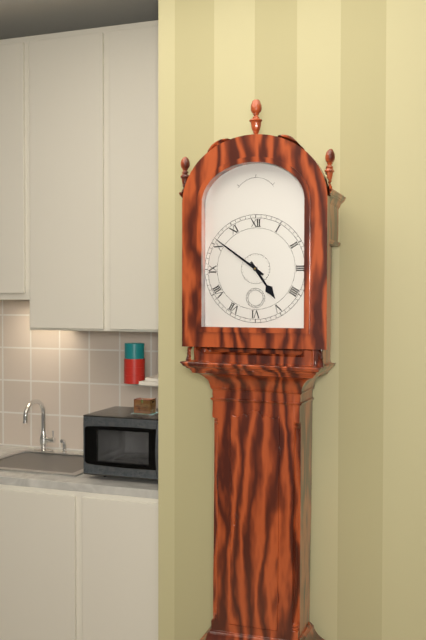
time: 4:51
